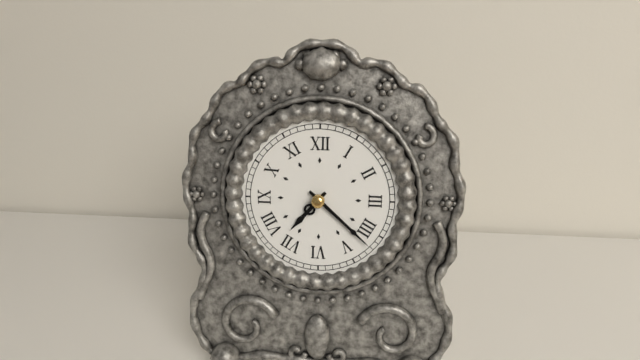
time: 7:22
